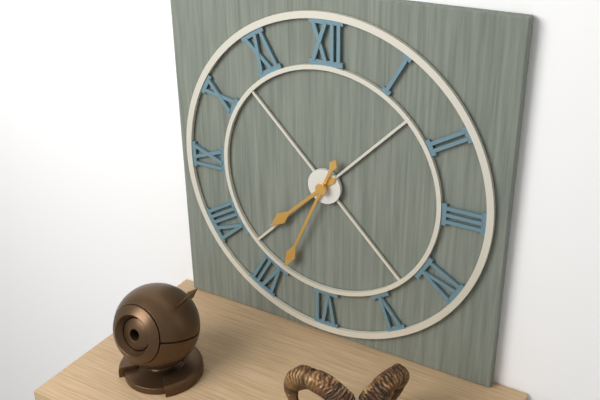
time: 7:34
